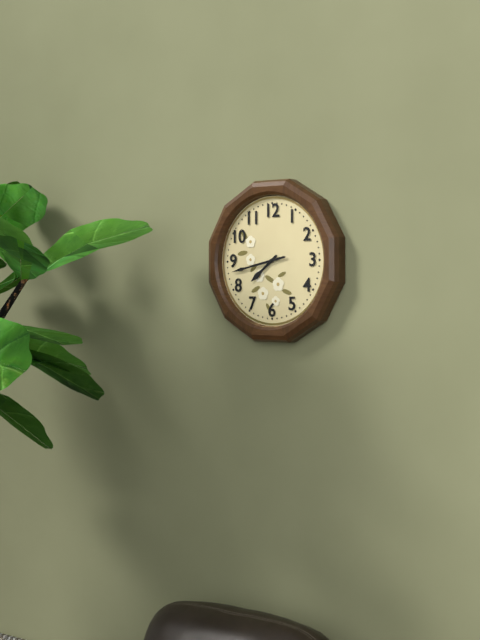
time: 7:43
